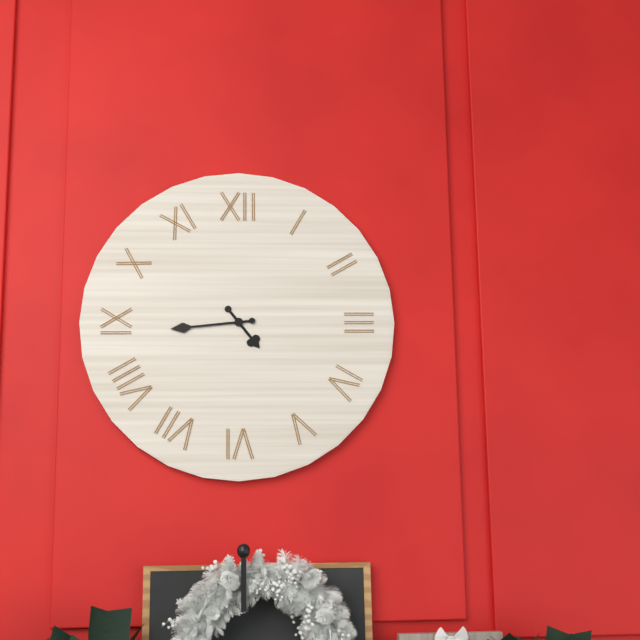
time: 4:44
